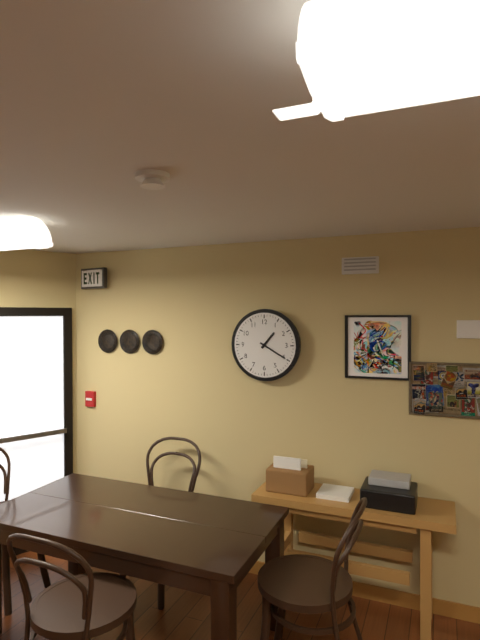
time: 1:20
